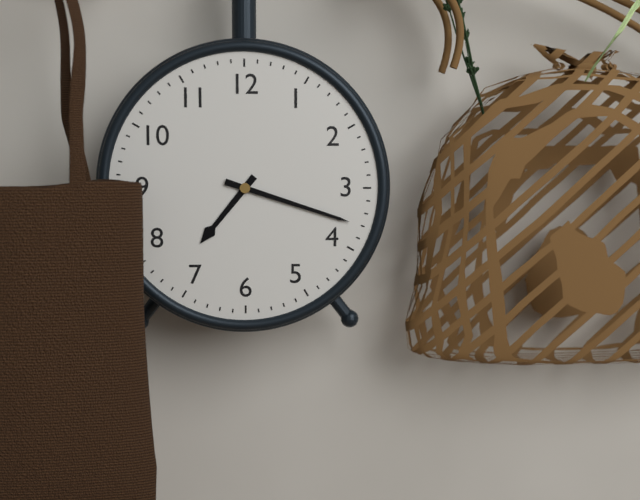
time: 7:18
